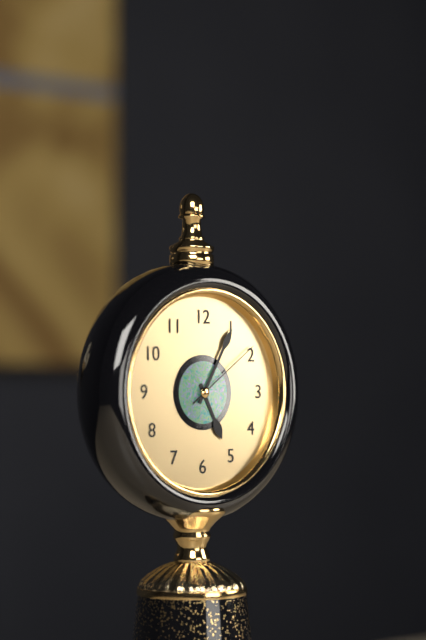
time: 5:05:09
